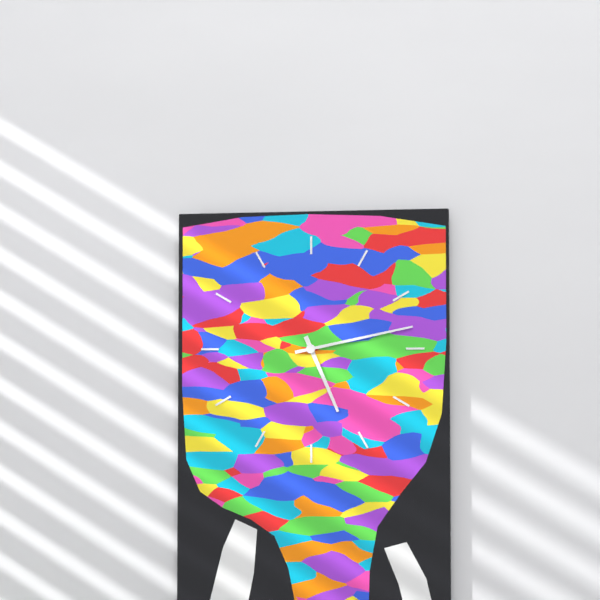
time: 5:13
